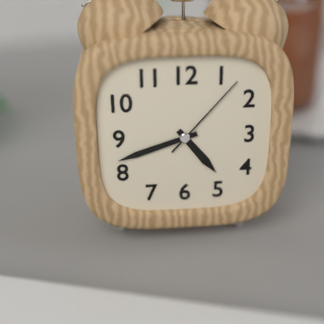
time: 4:42:07
